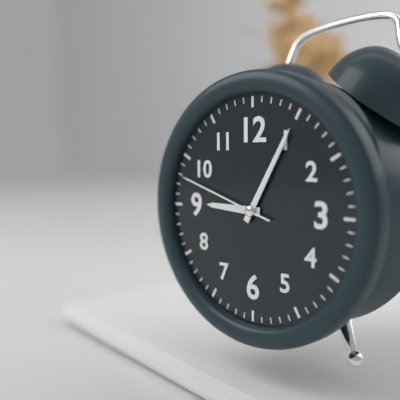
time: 9:05:48
